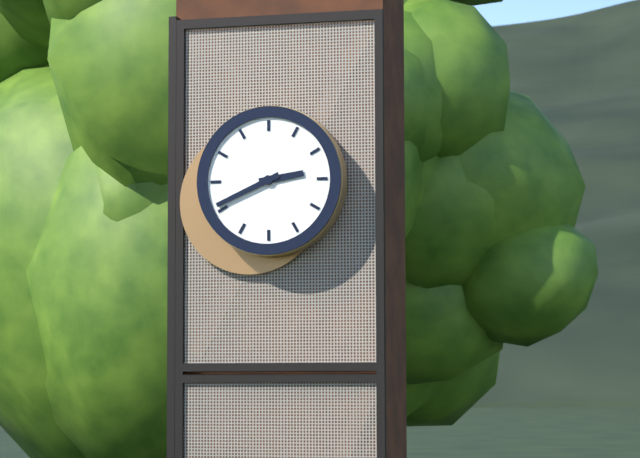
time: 2:41
